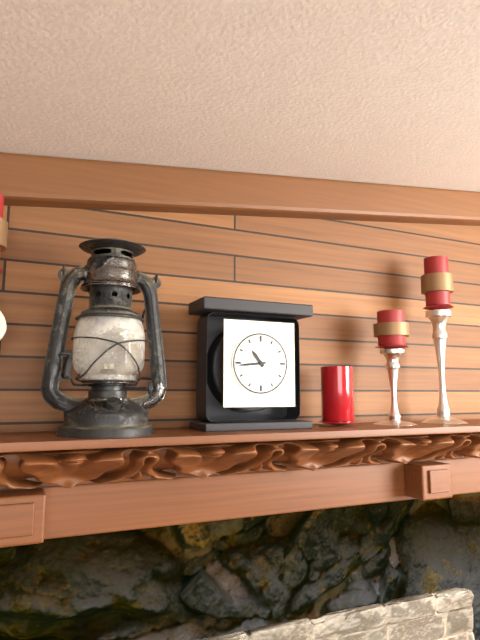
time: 10:44
